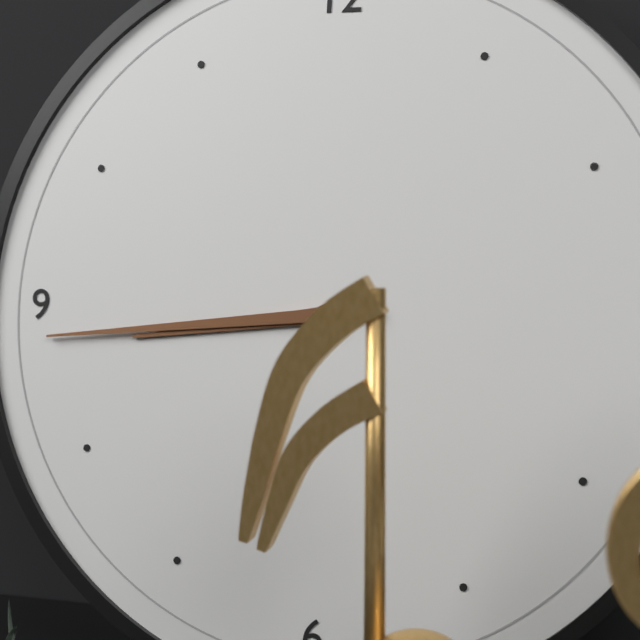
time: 8:44
